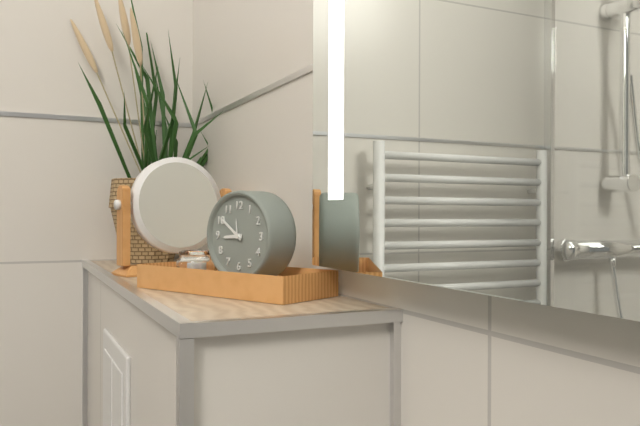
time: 8:51
